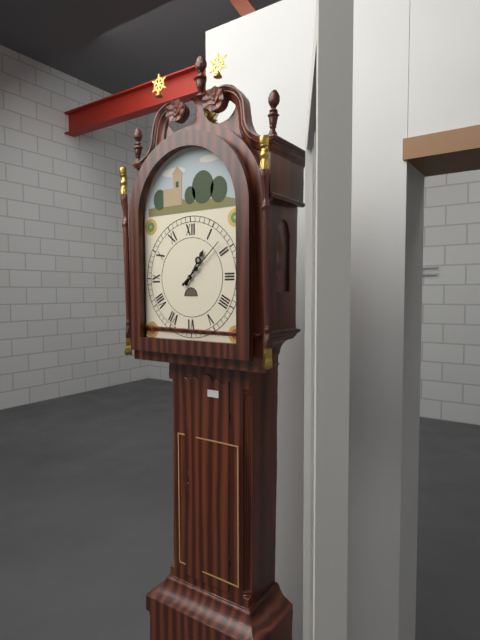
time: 1:08
